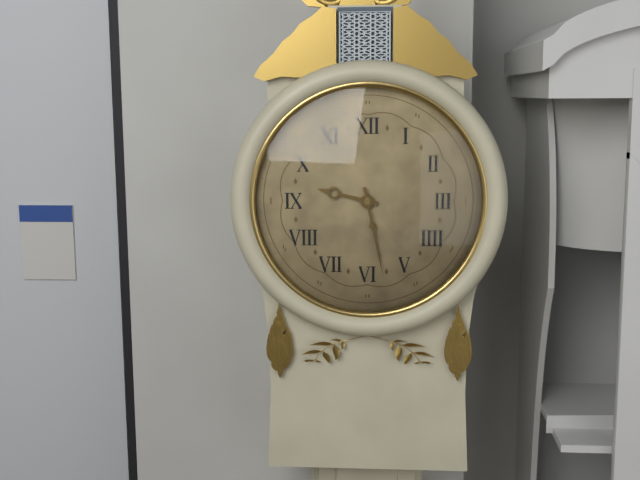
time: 9:28
